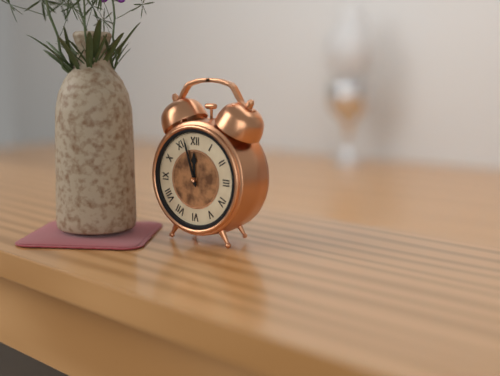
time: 11:57
